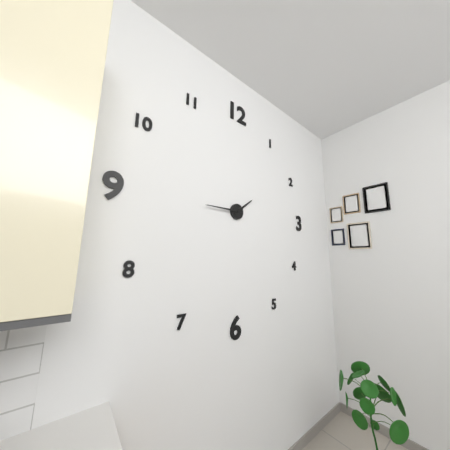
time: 1:45
